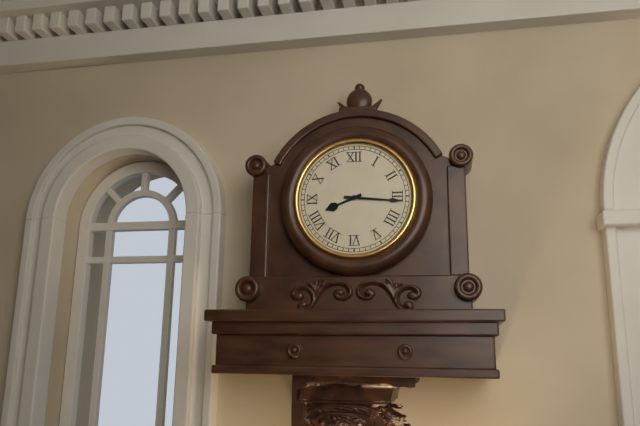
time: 8:16
